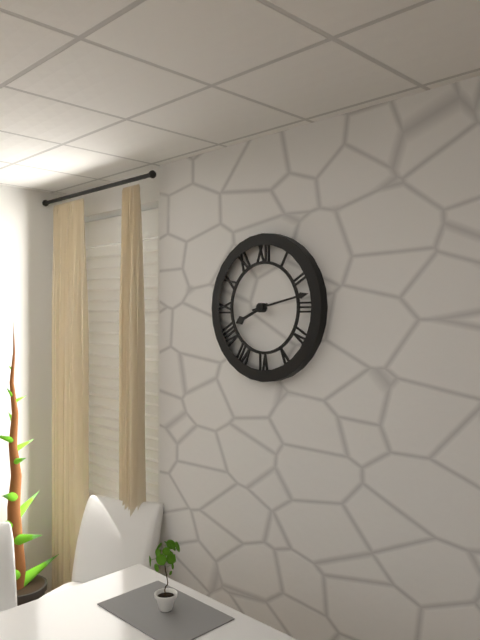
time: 8:13
